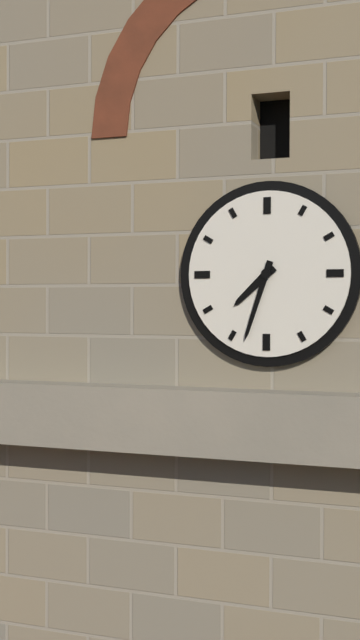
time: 7:33
